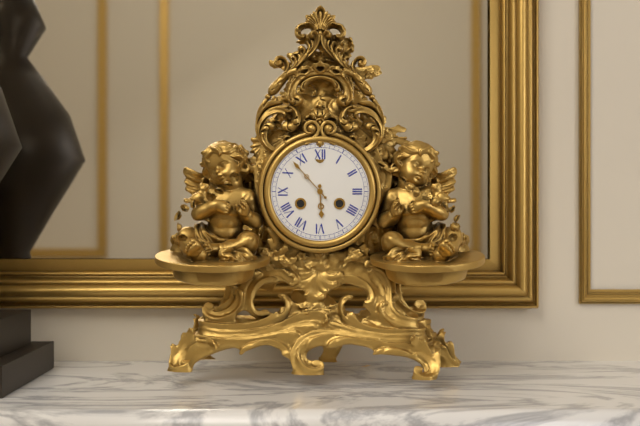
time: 5:53
